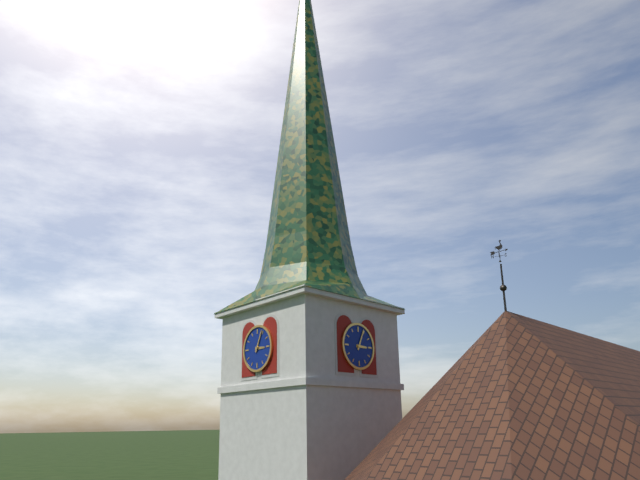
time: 3:04
